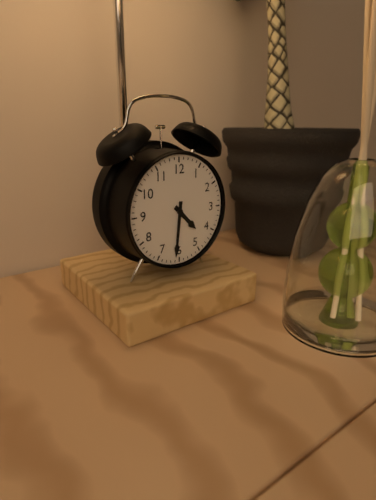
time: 4:31
